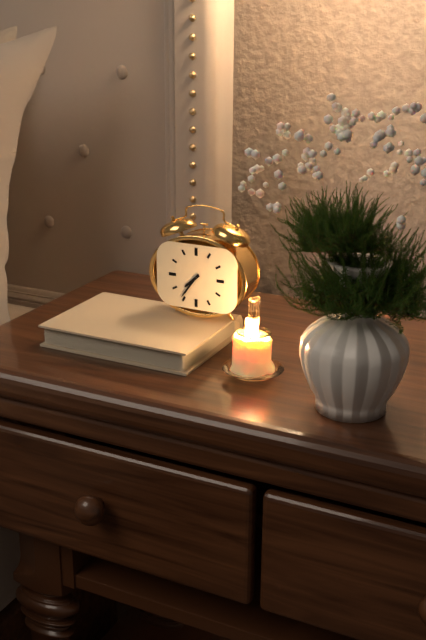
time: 7:36
